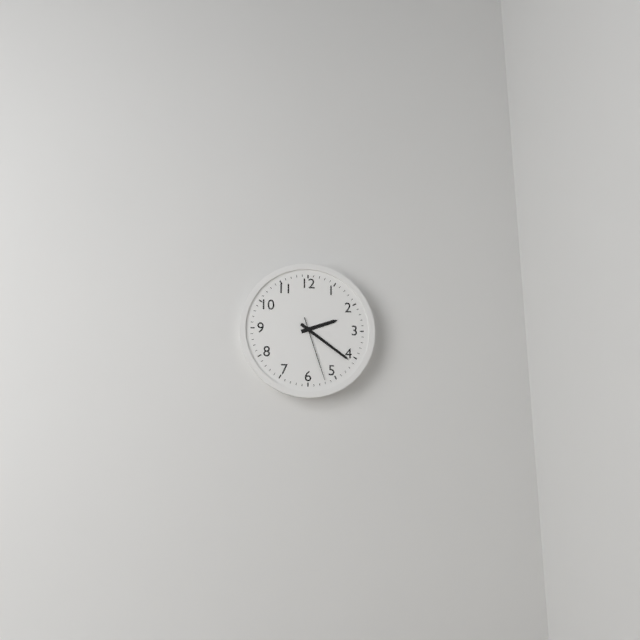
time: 2:21:27
